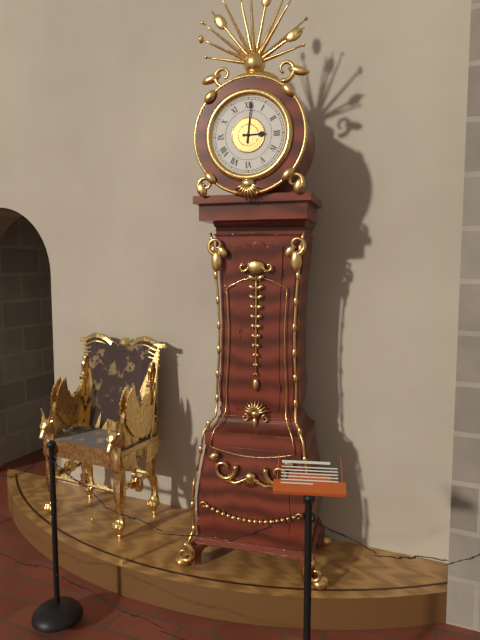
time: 3:01
